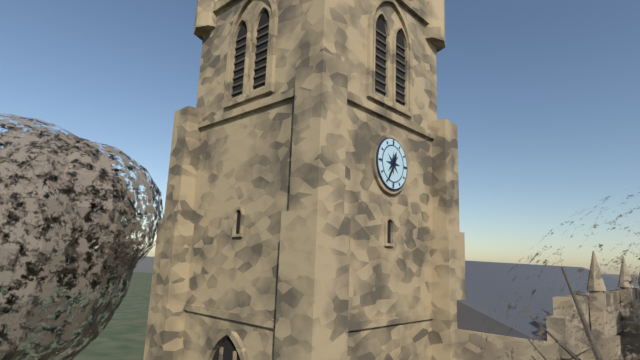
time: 12:35
